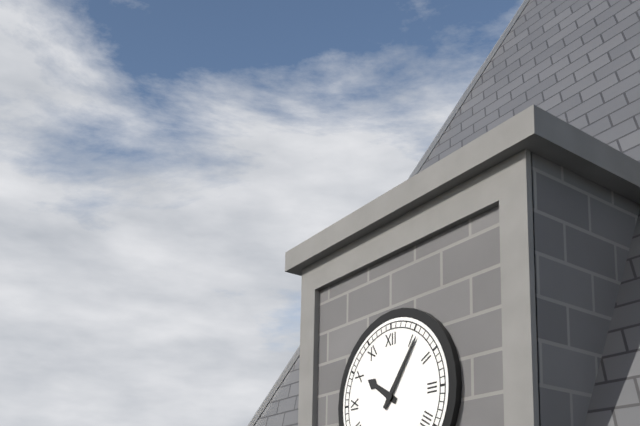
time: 10:06
